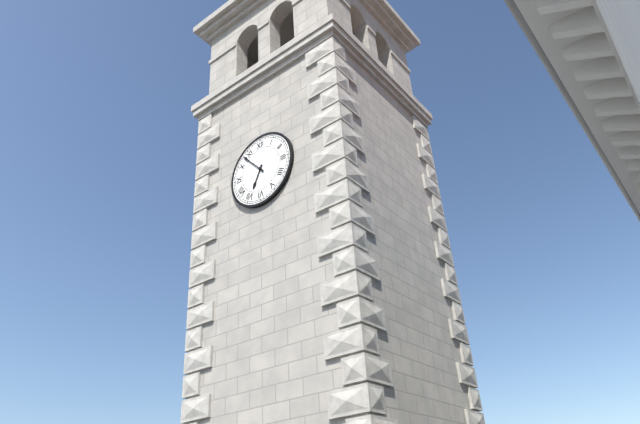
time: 6:53
